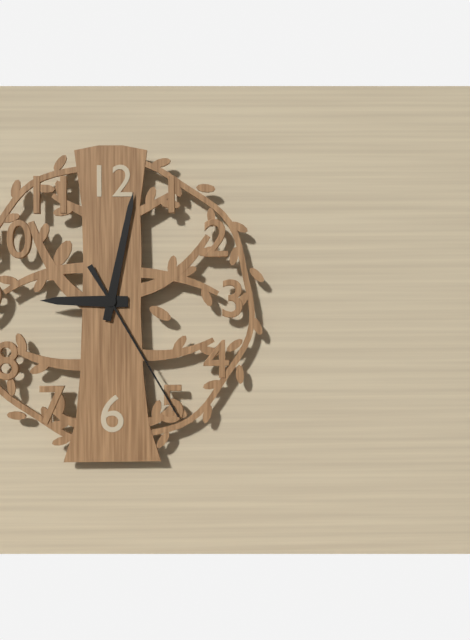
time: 9:02:25
